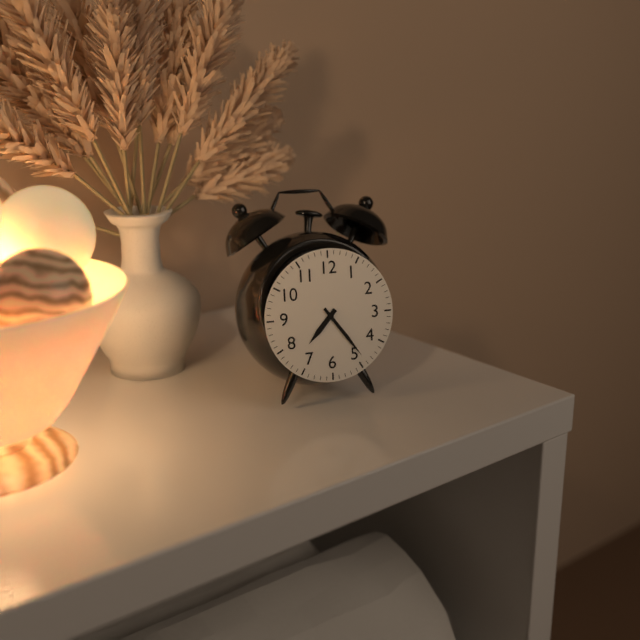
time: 7:24
